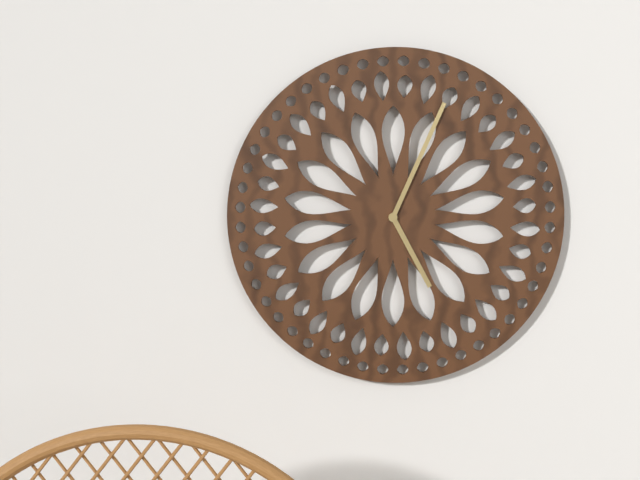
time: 5:04
